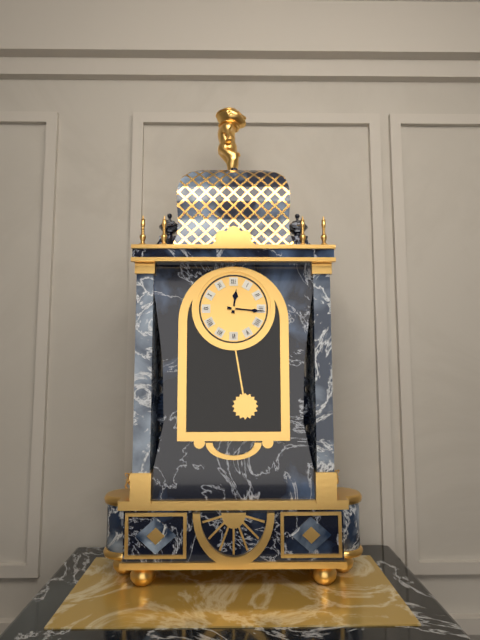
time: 12:16
